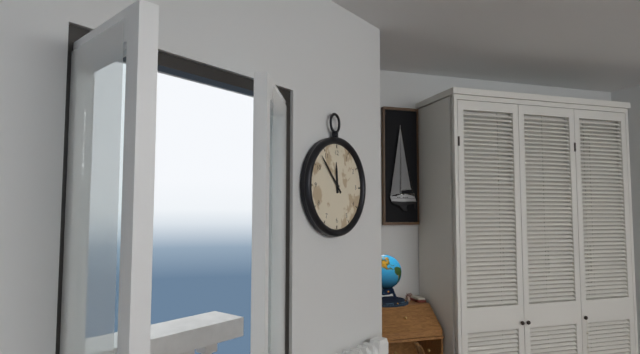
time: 11:53
